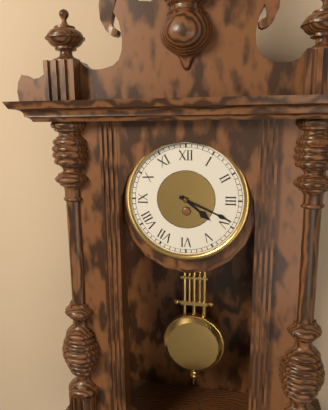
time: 4:19
